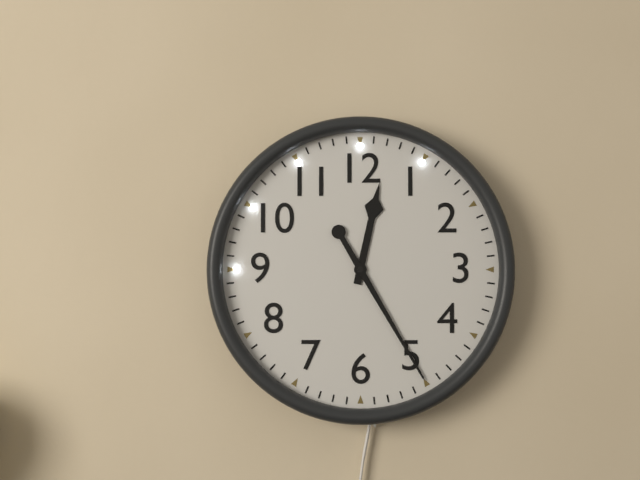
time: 12:25
